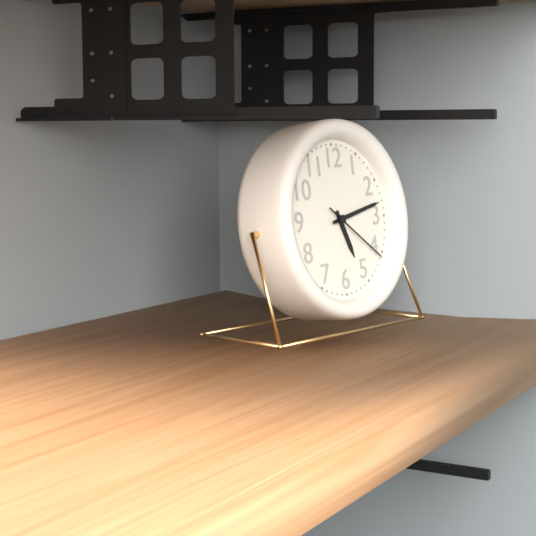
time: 5:13:21
